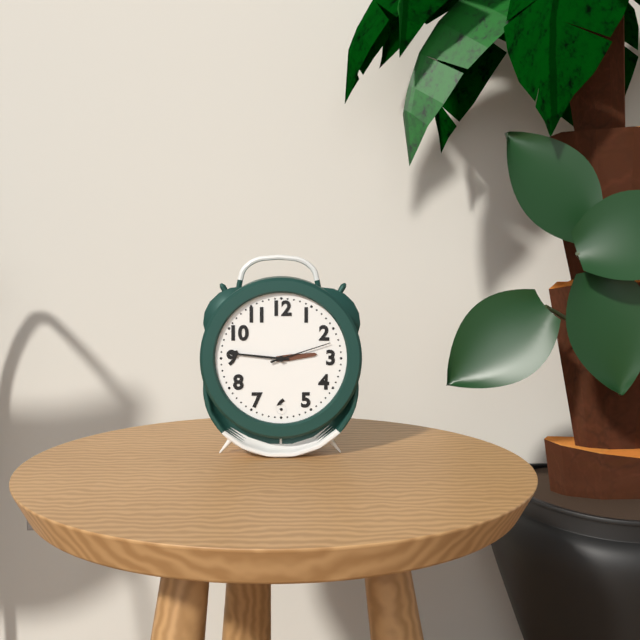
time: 2:46:12
